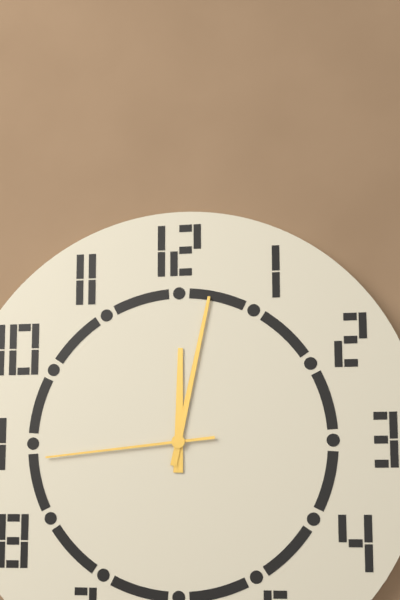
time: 12:02:44
